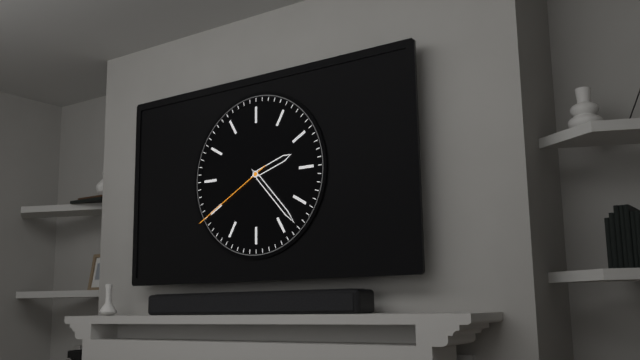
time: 2:23:40
